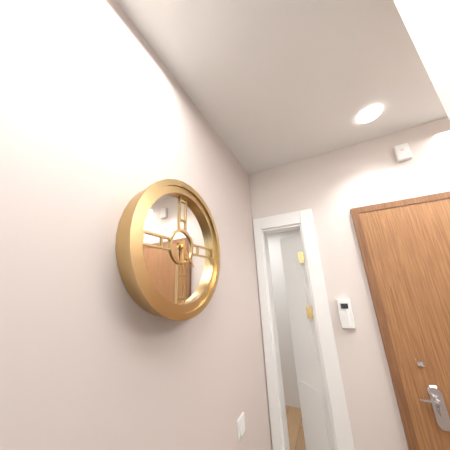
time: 4:30
